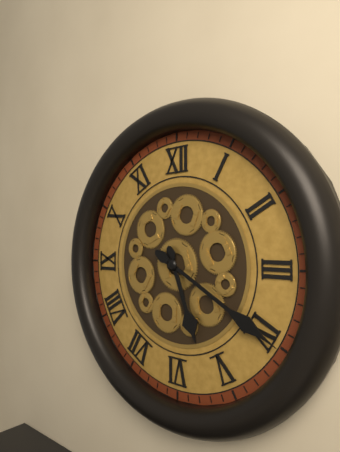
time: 5:20
